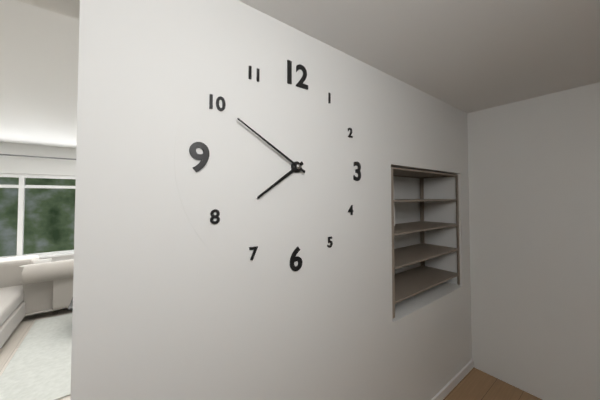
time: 7:50
